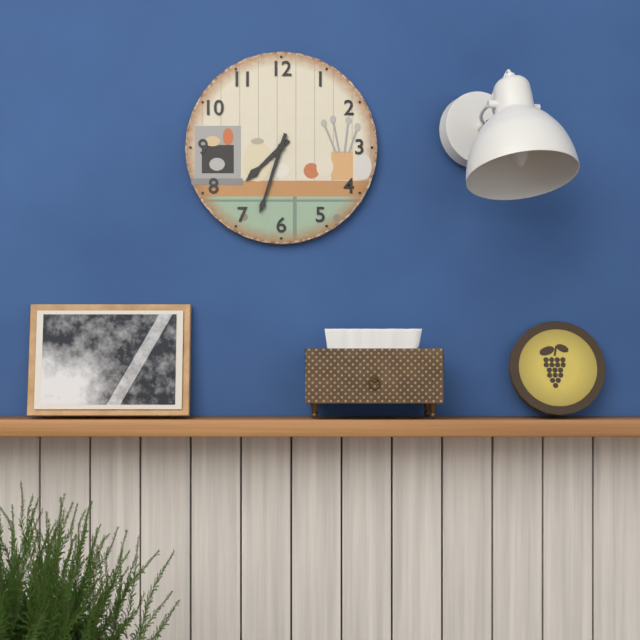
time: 7:33
